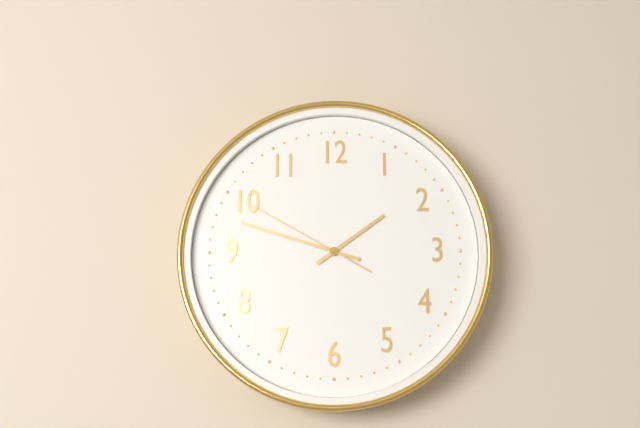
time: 1:48:50
